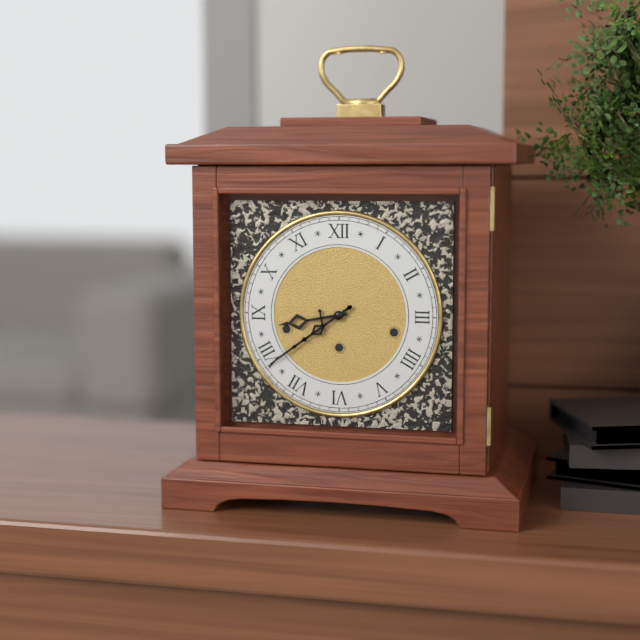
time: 8:39
